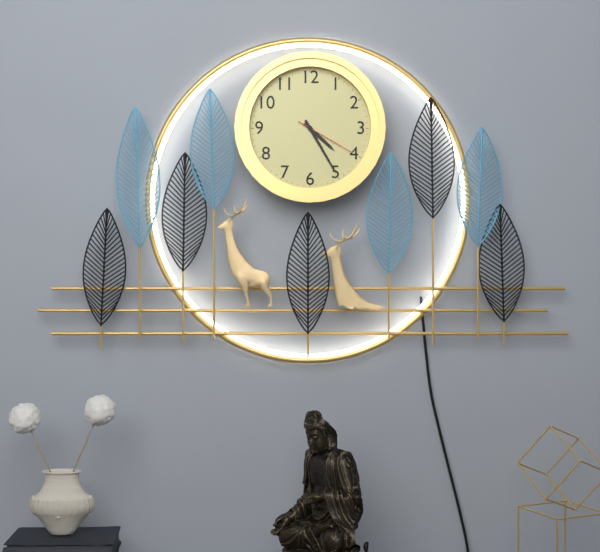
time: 4:25:20
